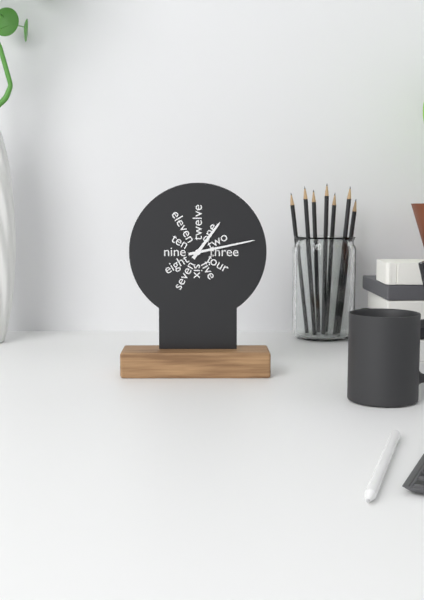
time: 1:13
